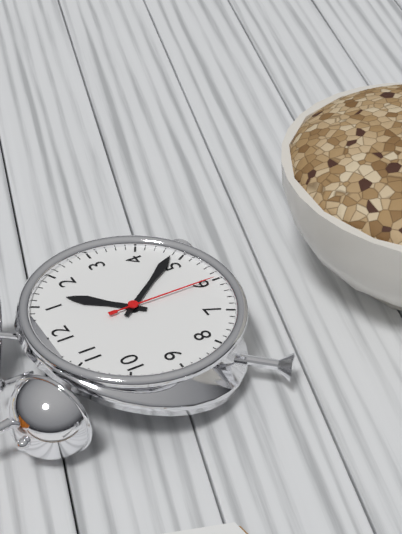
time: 1:24:30
